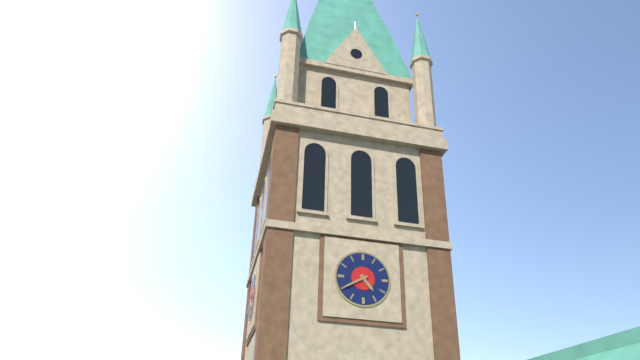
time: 4:40
